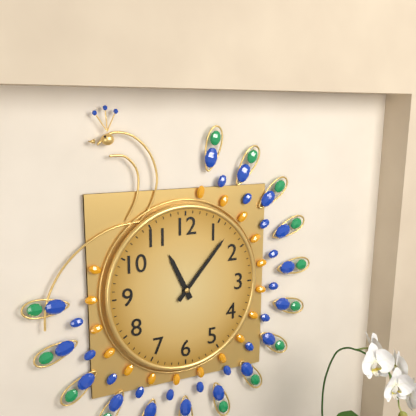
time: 11:07
